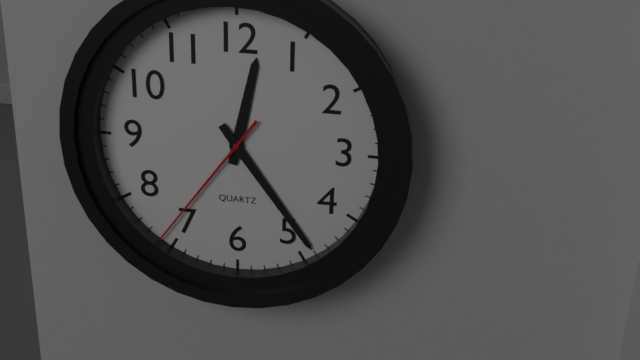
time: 12:24:36
